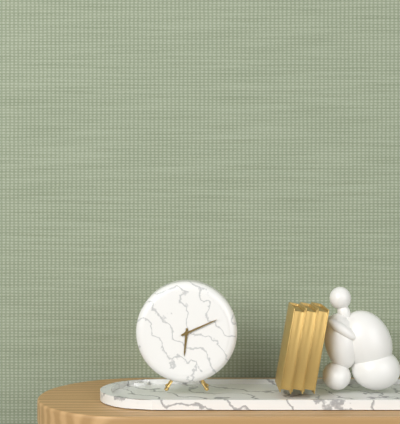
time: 6:11
